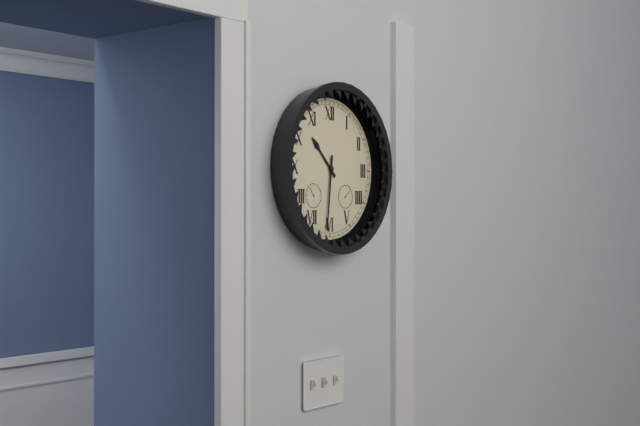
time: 10:31
